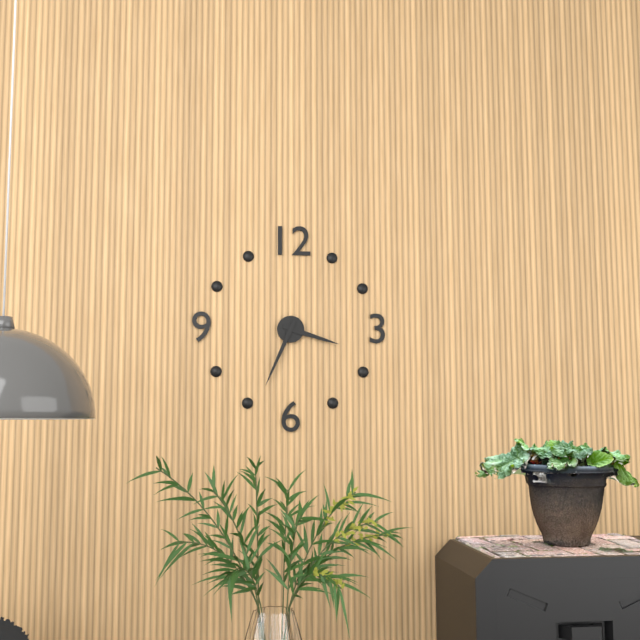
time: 3:34
